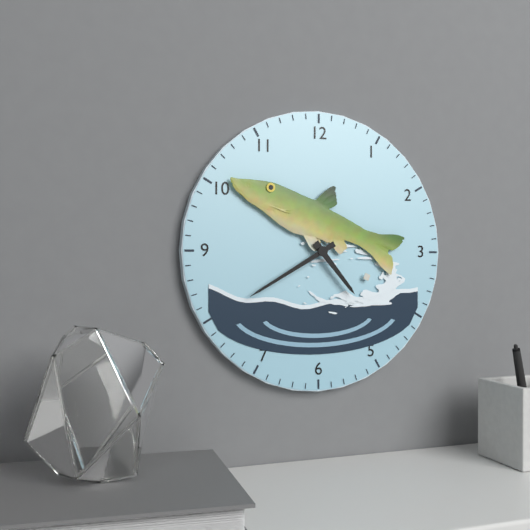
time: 4:40
